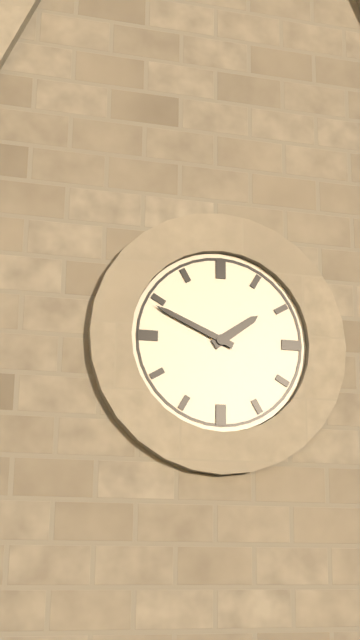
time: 1:49
